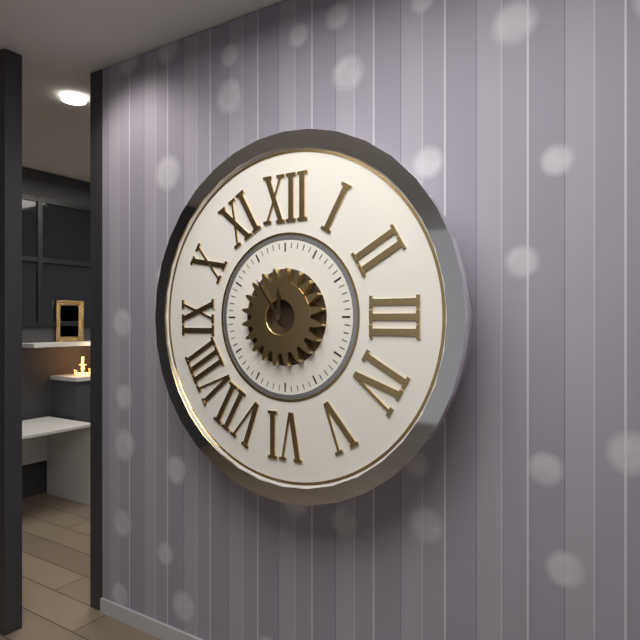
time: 11:54
